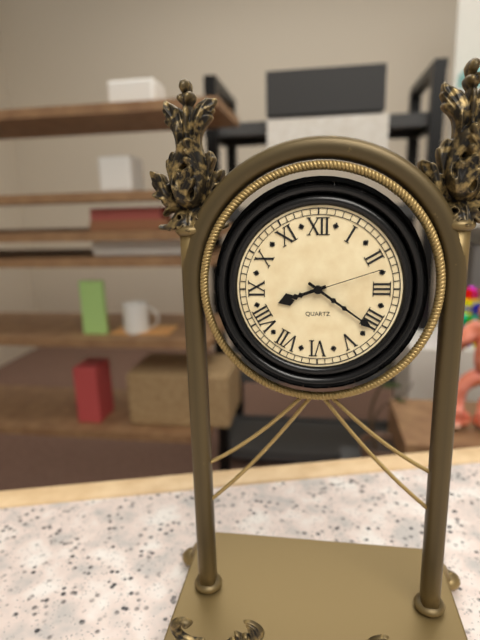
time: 8:21:12
